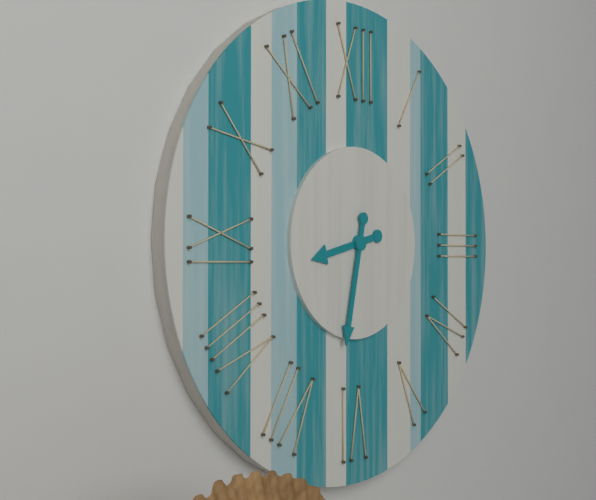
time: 8:32
